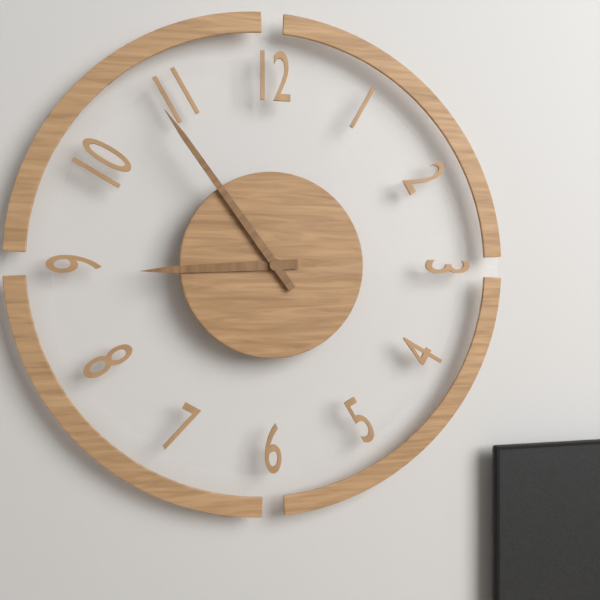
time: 8:54
